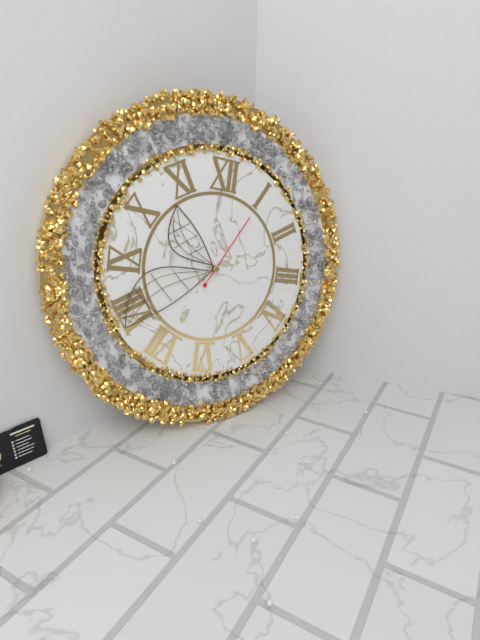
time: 10:39:05
